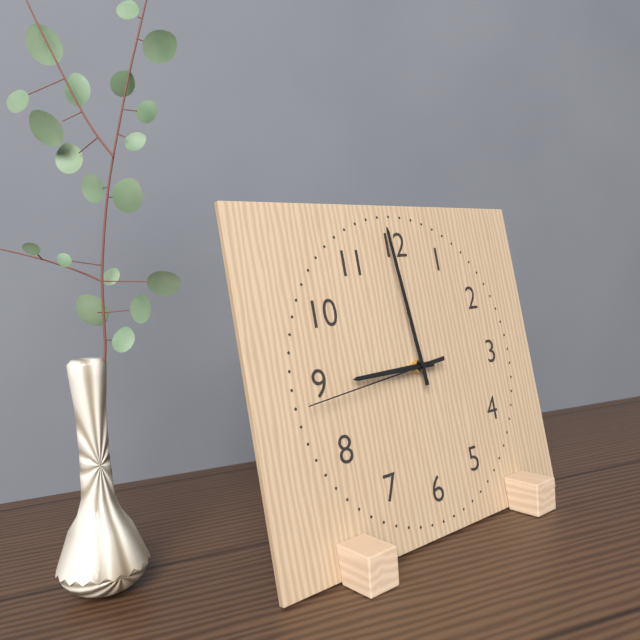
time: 8:59:44
